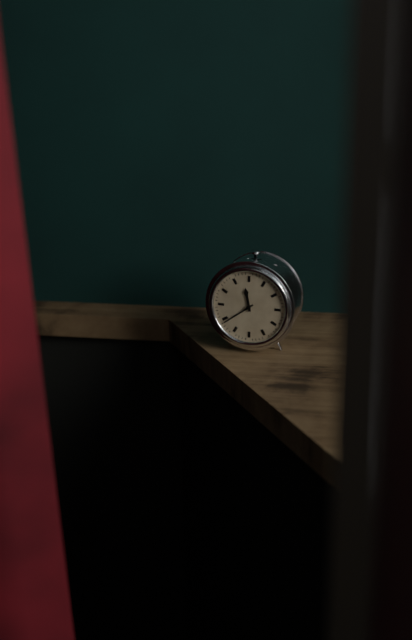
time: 11:39
